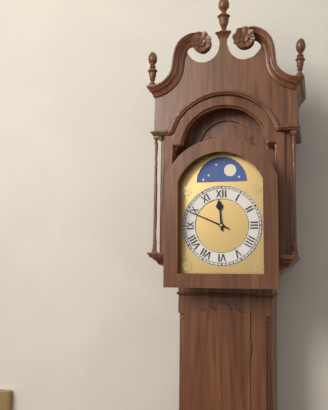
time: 11:49
